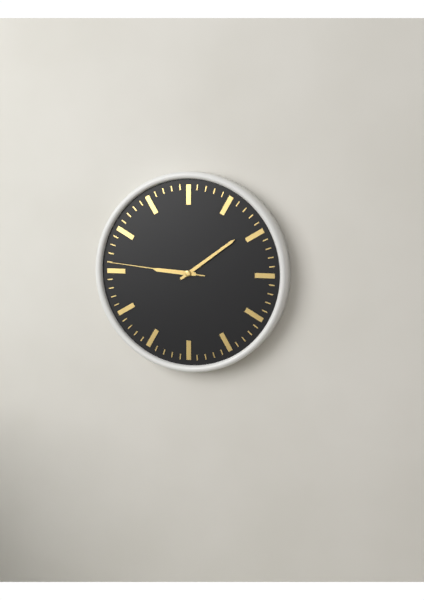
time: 9:09:46
